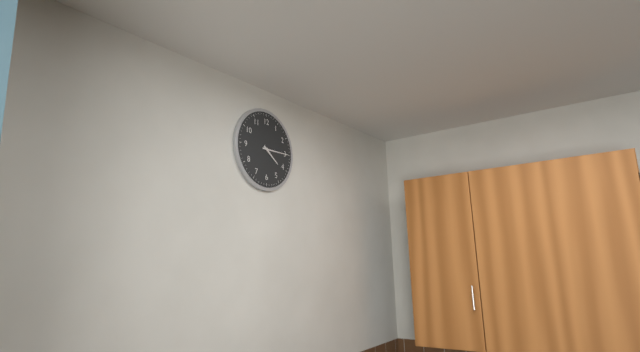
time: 4:15
